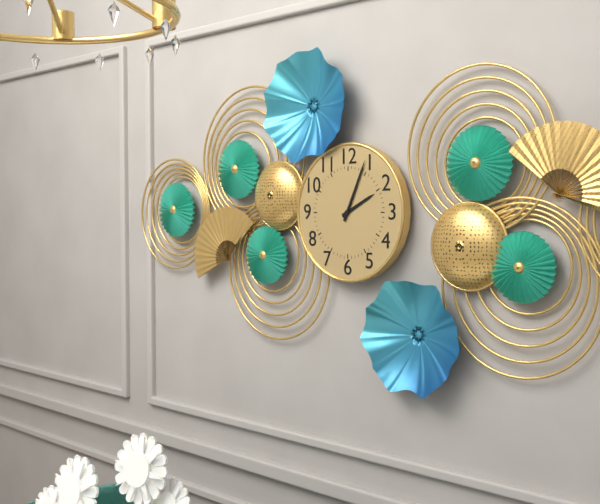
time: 2:04
